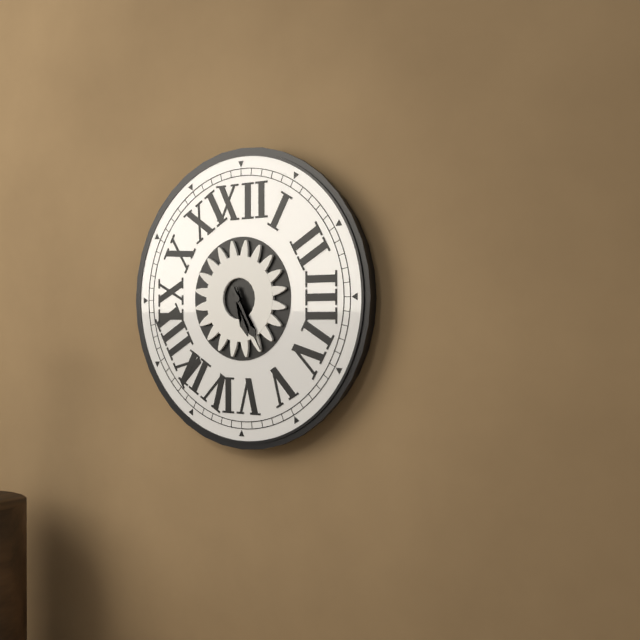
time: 5:25
